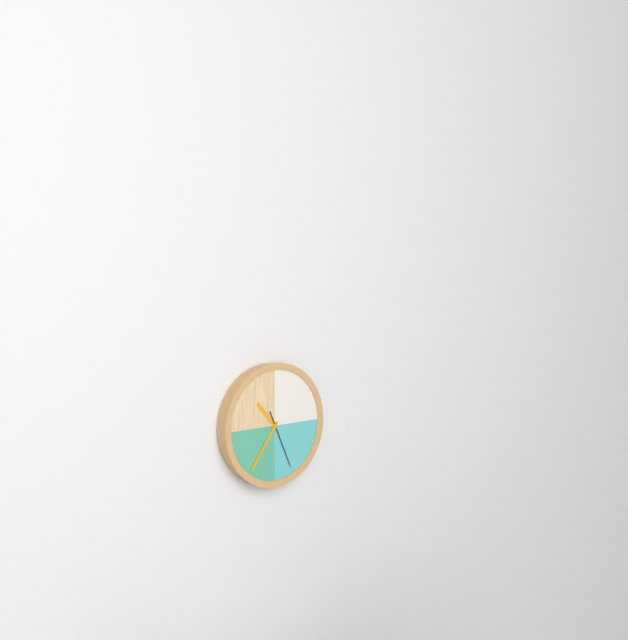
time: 10:36:26
